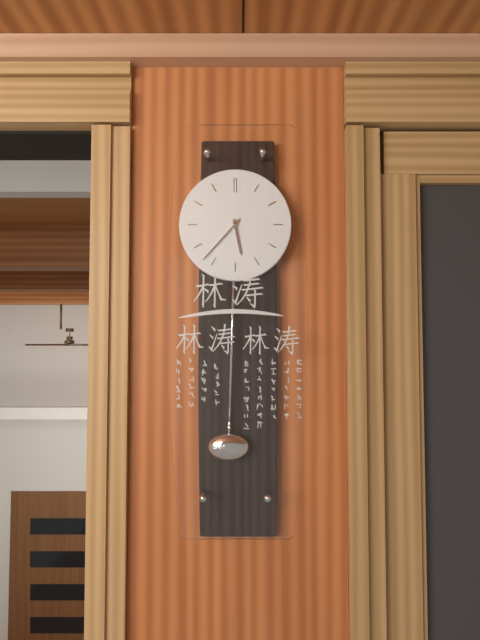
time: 5:37
